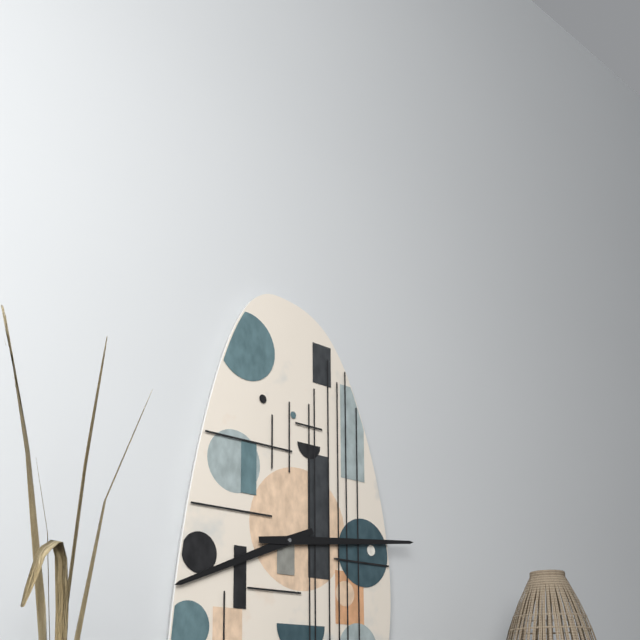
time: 8:14
